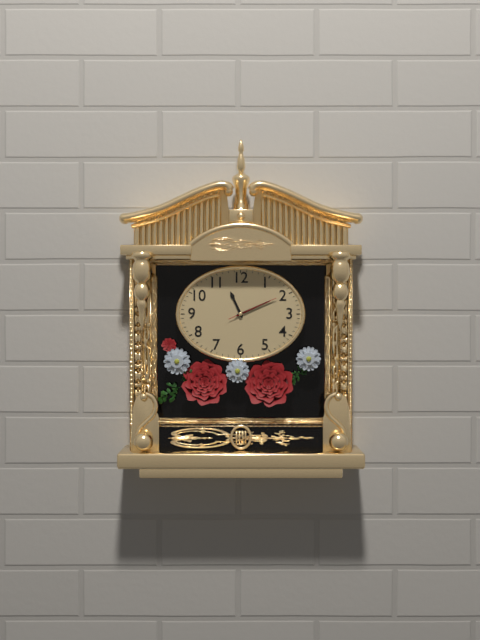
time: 11:11
